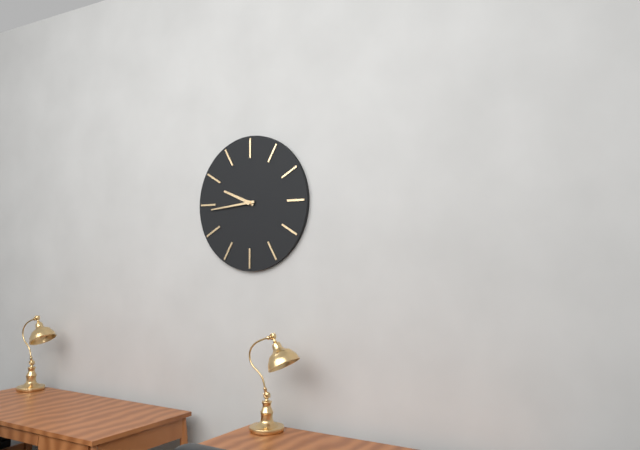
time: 9:44
